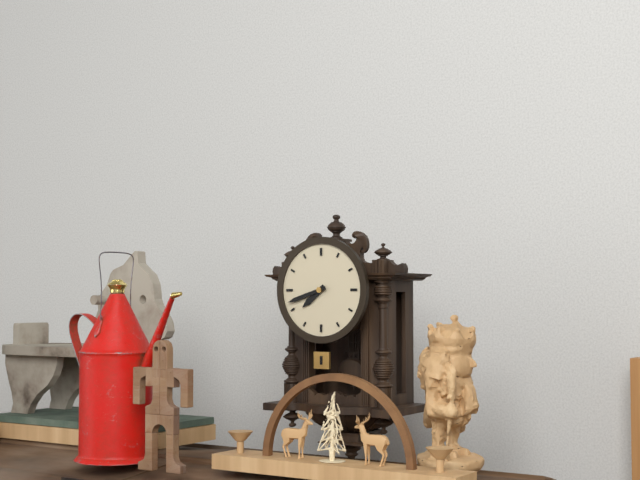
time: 7:42
